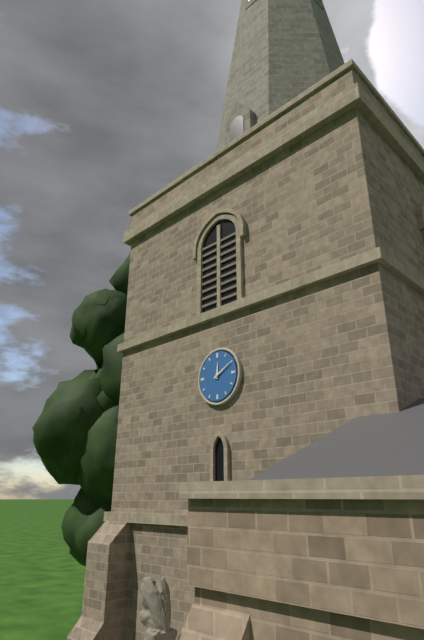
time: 12:10
